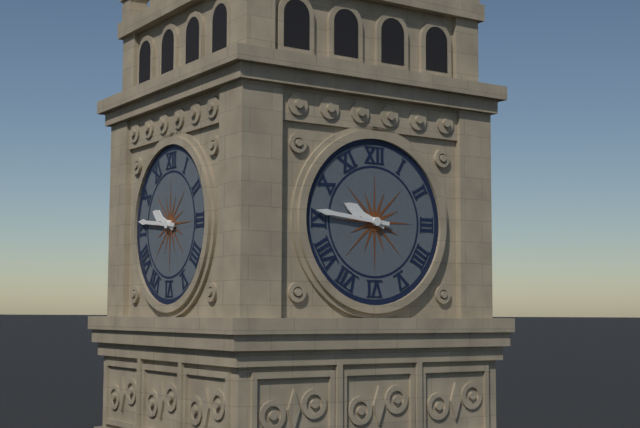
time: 9:46
